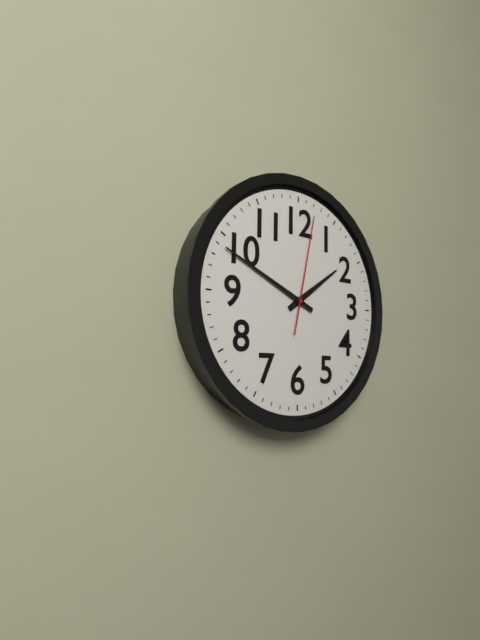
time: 1:49:02
